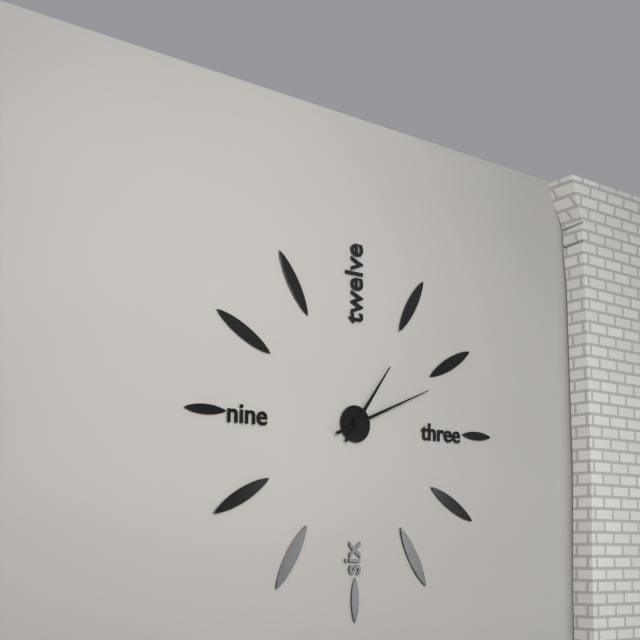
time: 1:11
